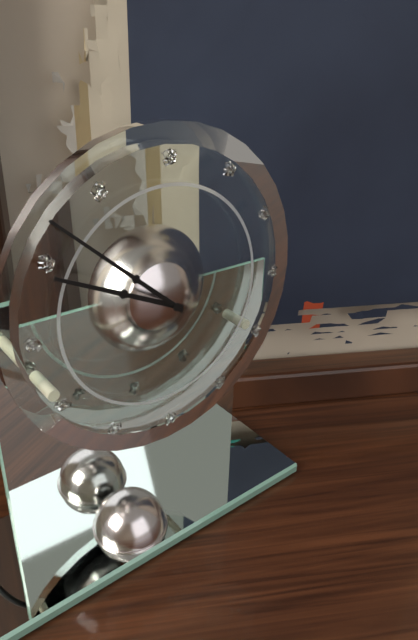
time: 9:52
